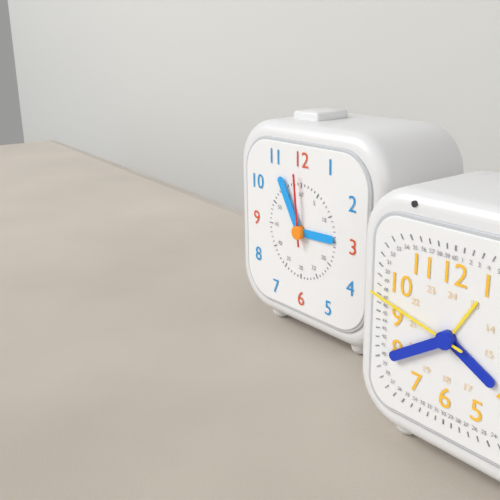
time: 2:55:59
